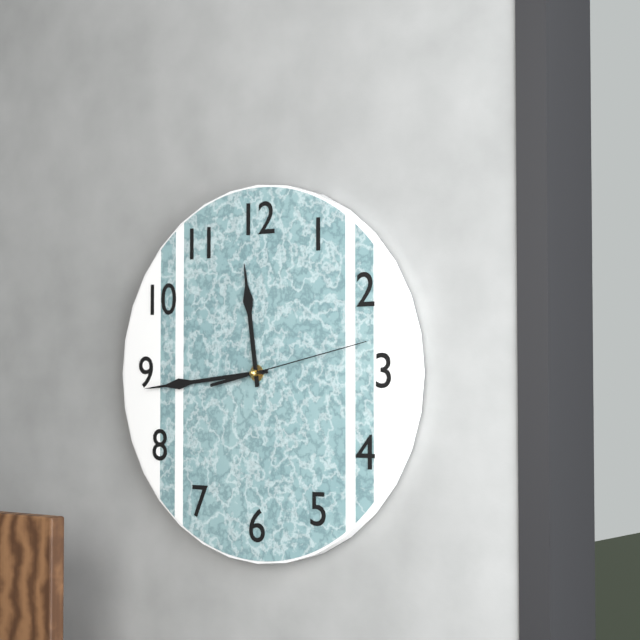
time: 11:44:13
